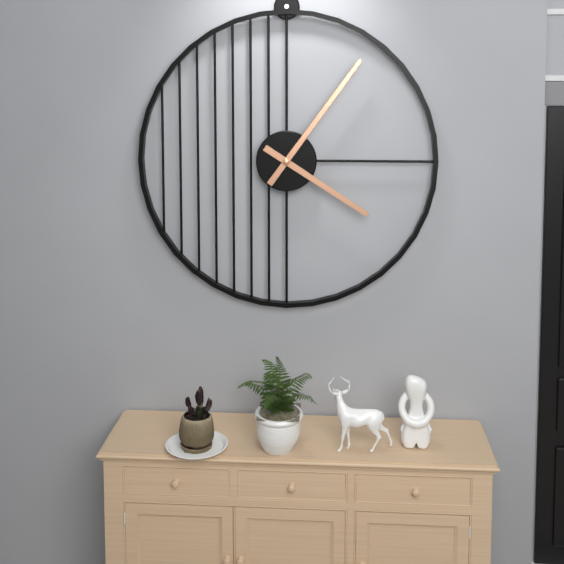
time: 4:06
